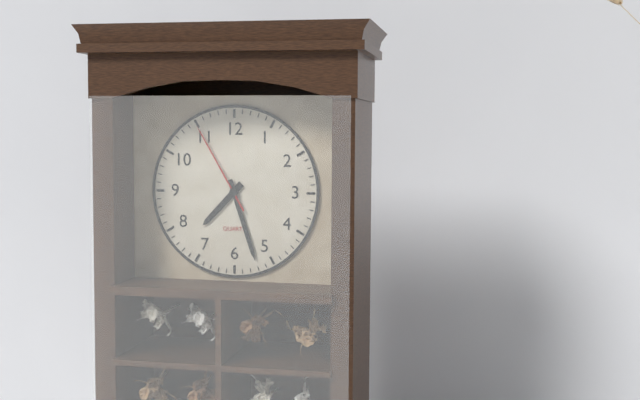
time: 7:27:55
